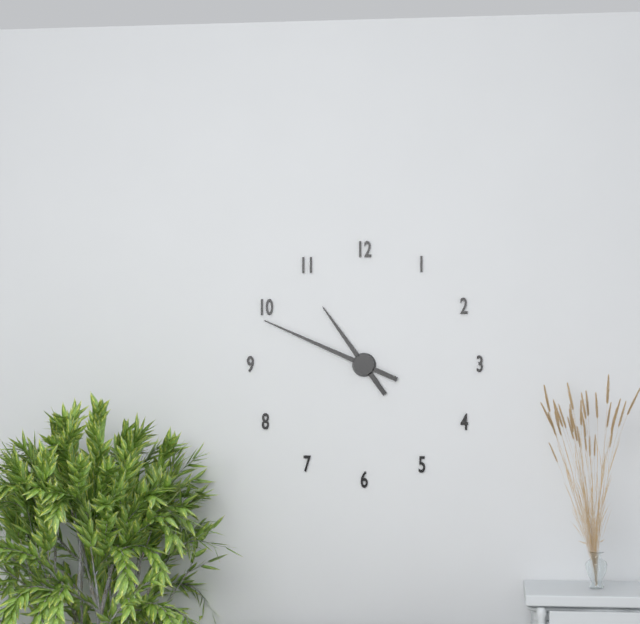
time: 10:49
